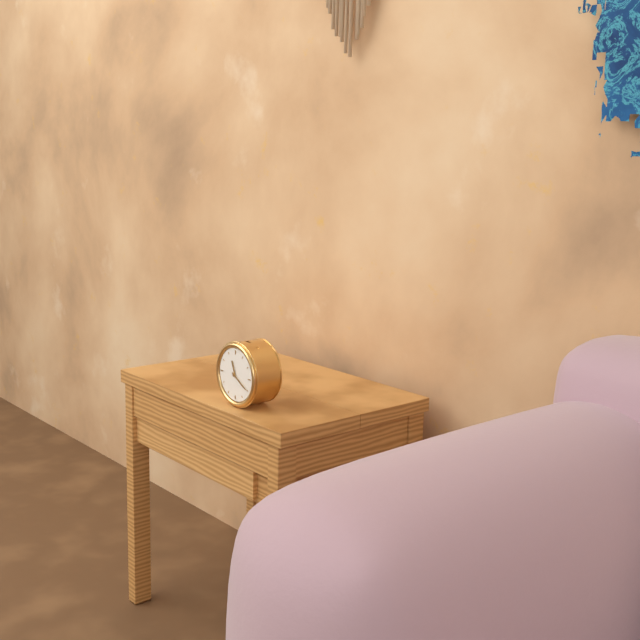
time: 11:20
